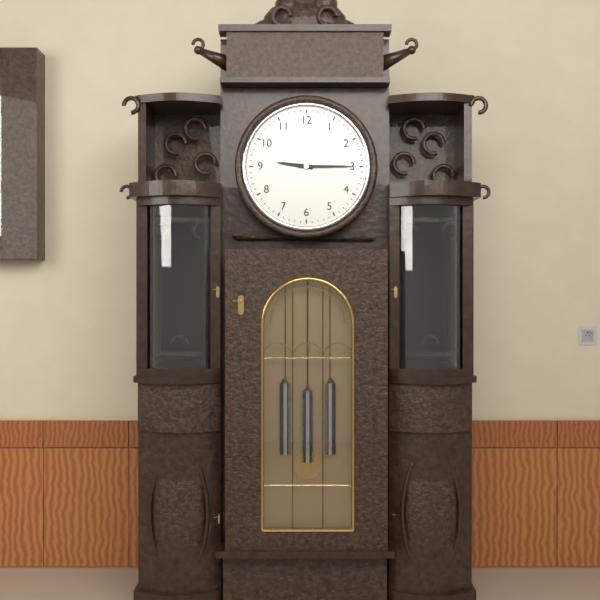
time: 9:15
